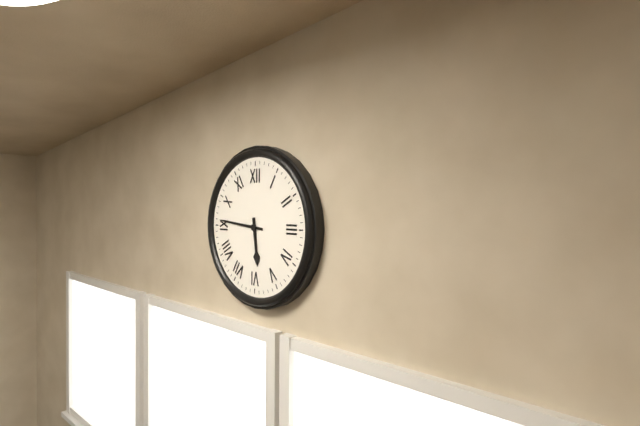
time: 5:46
